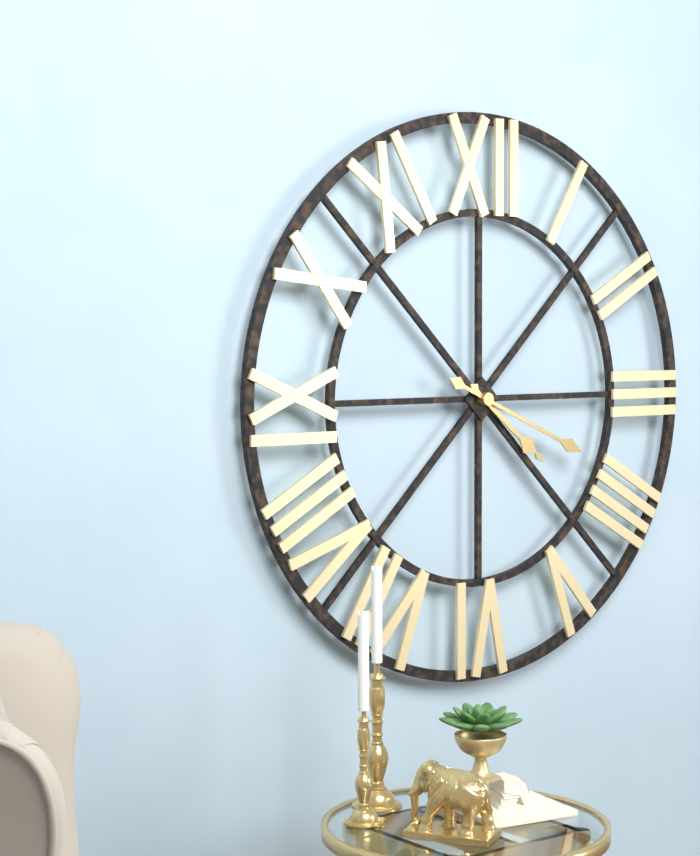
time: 4:19
